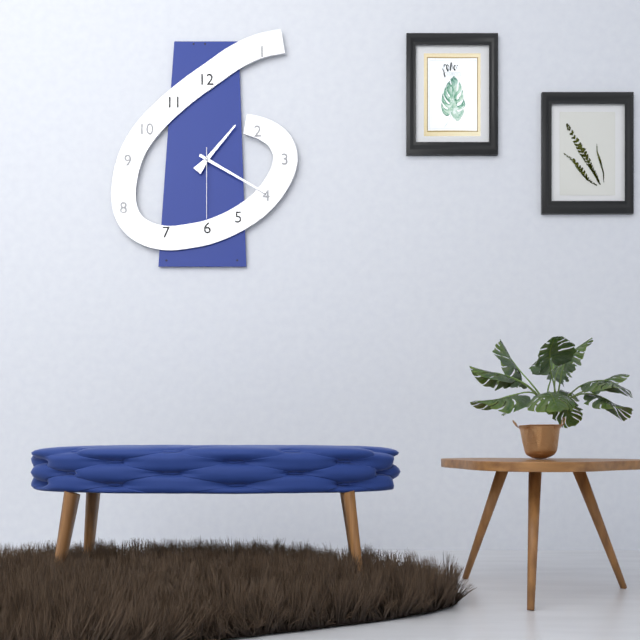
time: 1:20:30
